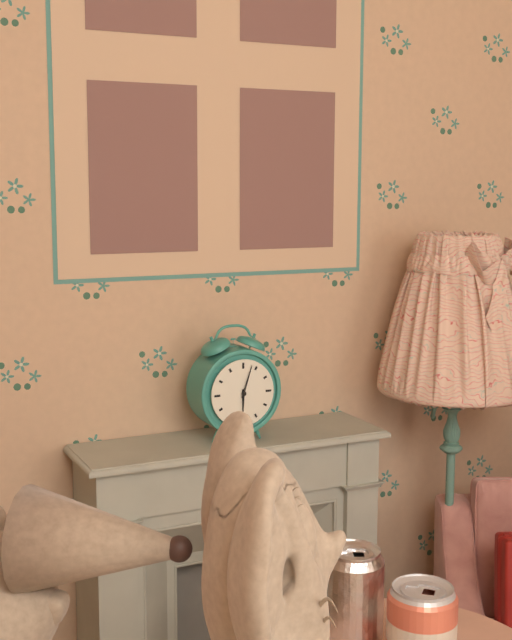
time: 6:03
